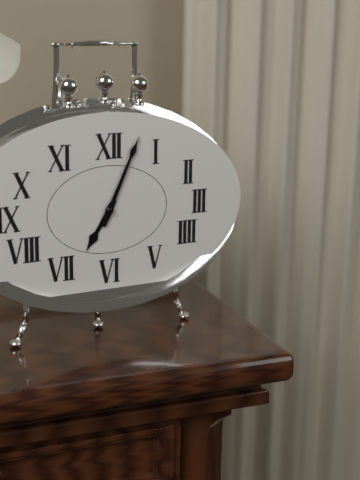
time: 7:04
